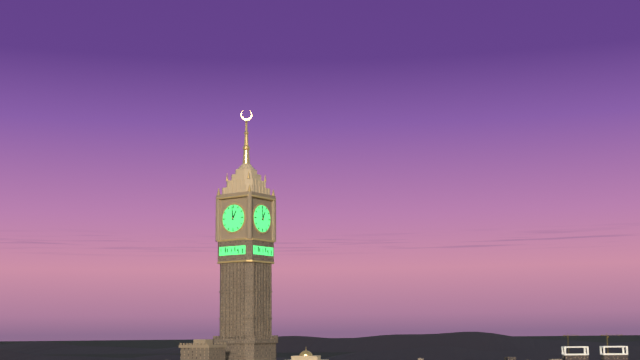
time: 12:59
